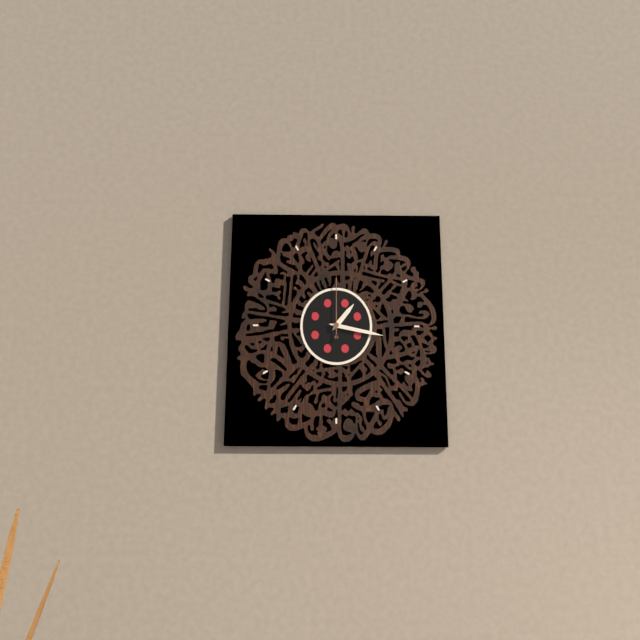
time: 1:17:00
